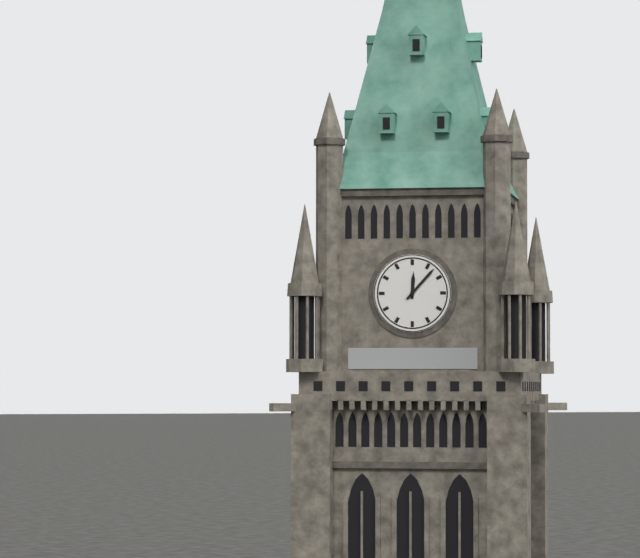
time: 12:07
